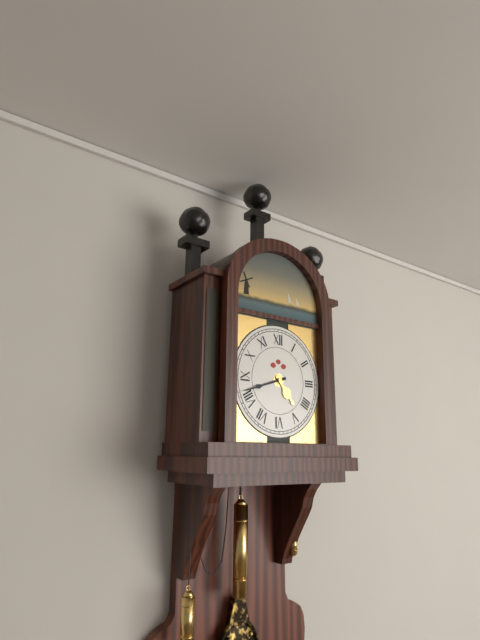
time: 4:42
